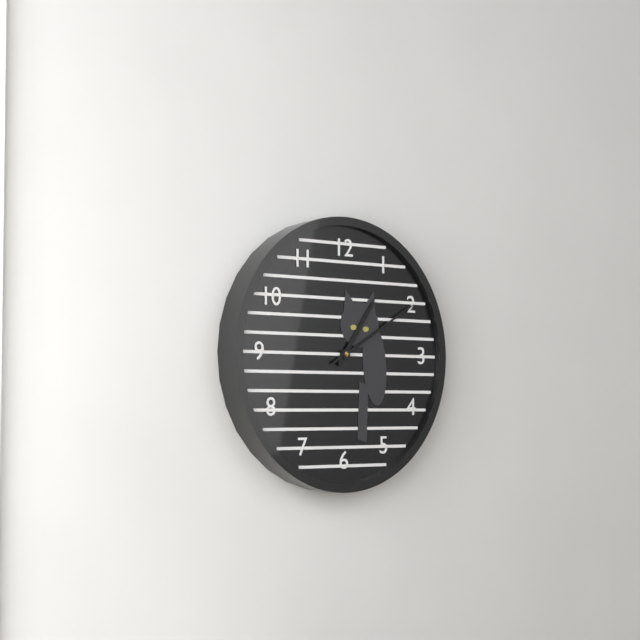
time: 1:10
